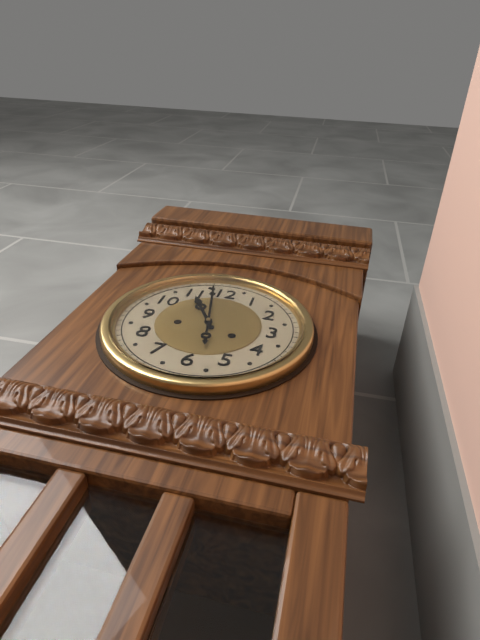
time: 10:58
